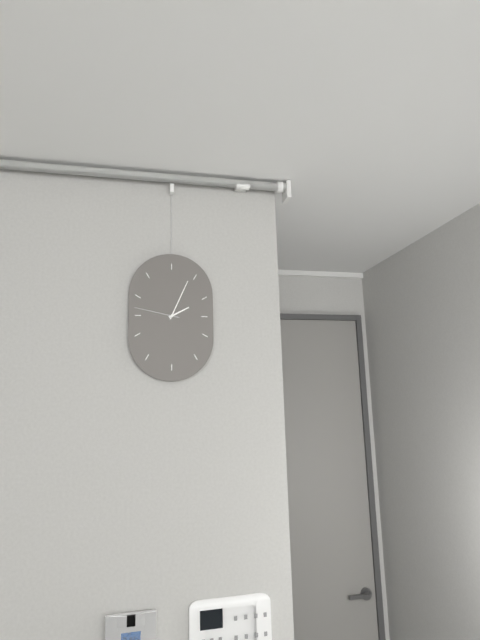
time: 2:04
